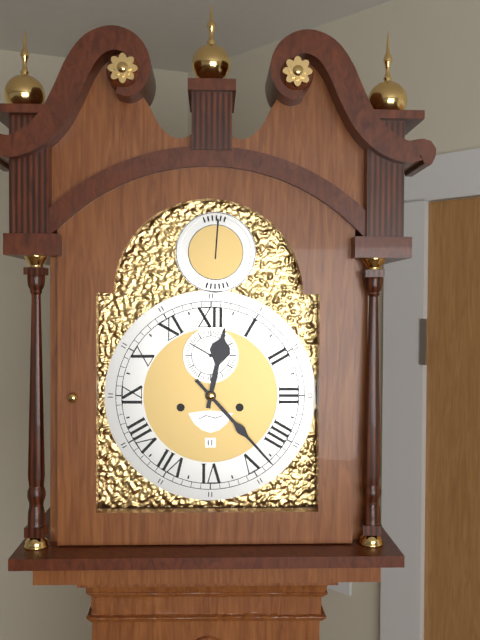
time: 12:23
